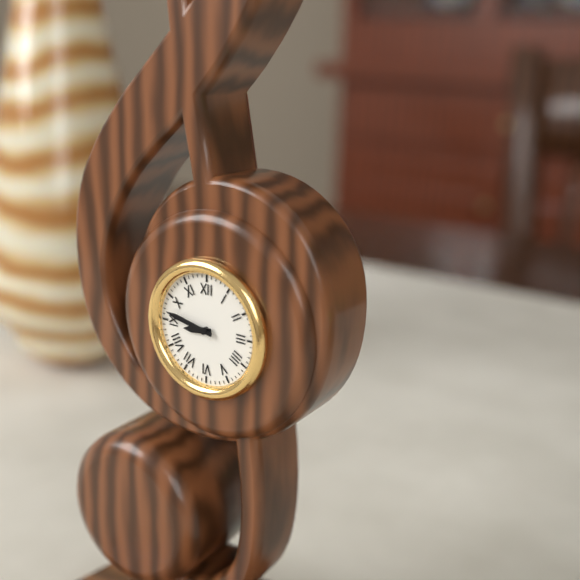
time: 8:47
